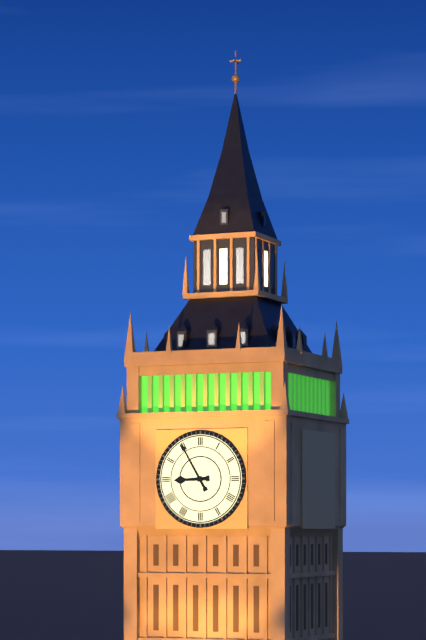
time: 8:55
